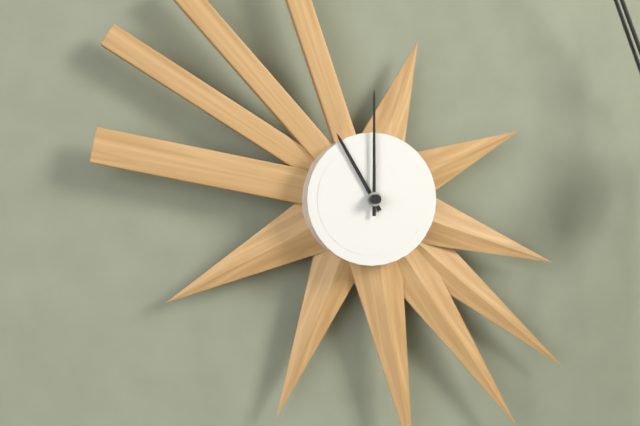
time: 11:00
